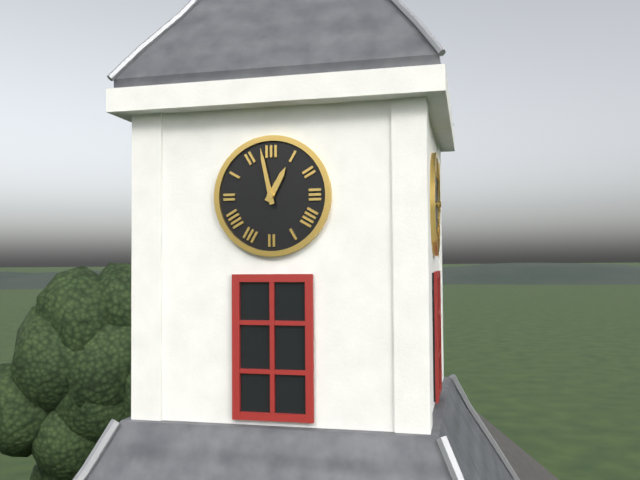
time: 12:58
